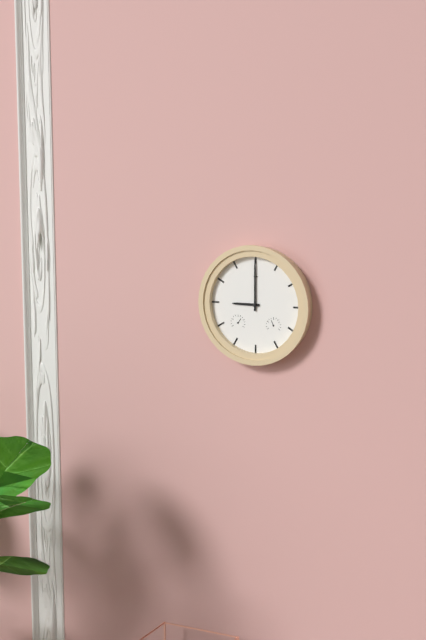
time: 9:00
